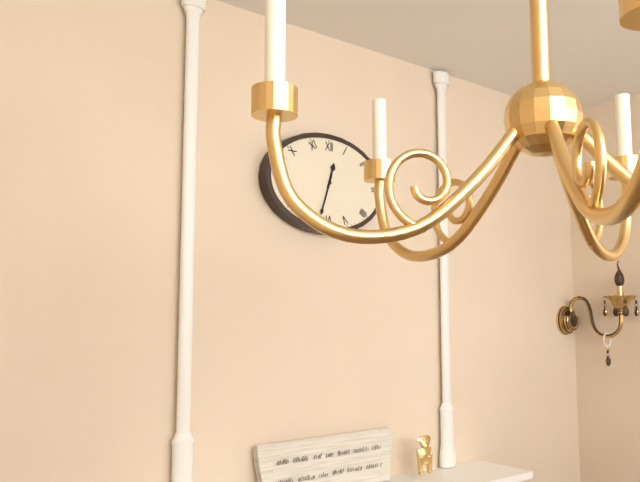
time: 12:33
